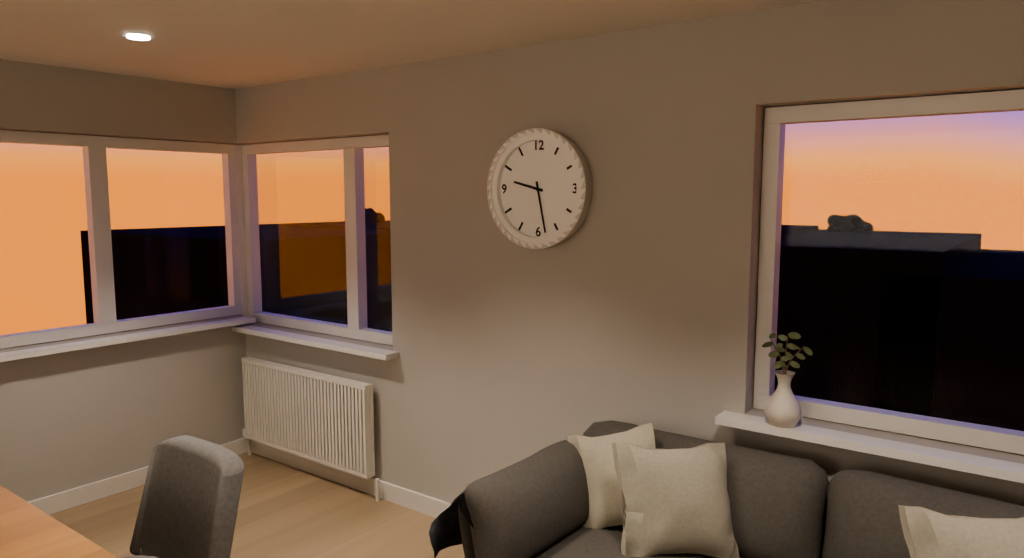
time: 9:28
